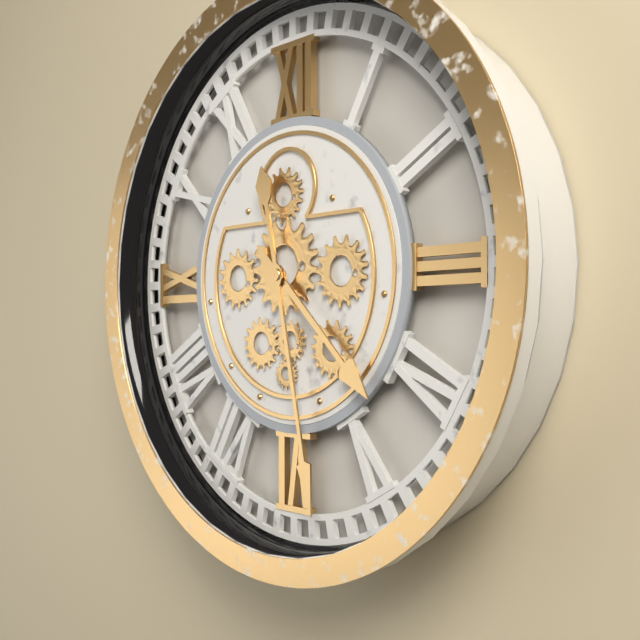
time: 4:28
